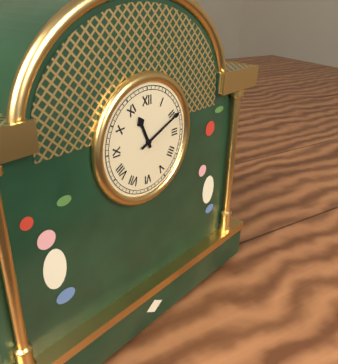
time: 11:11
